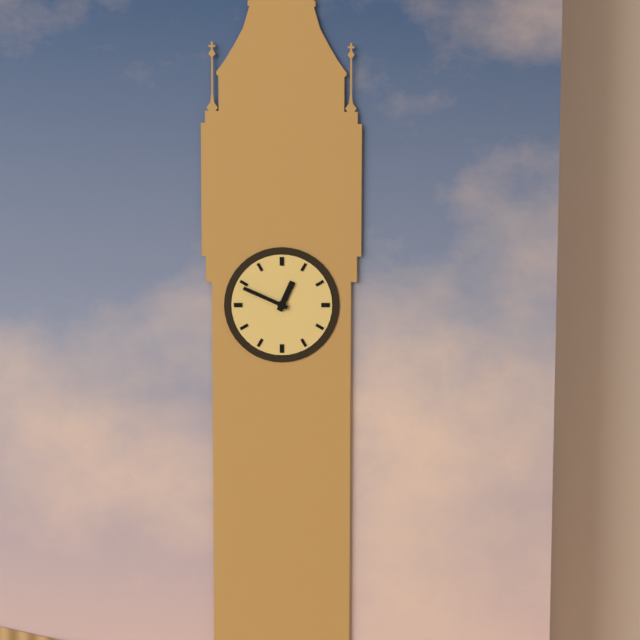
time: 12:49
